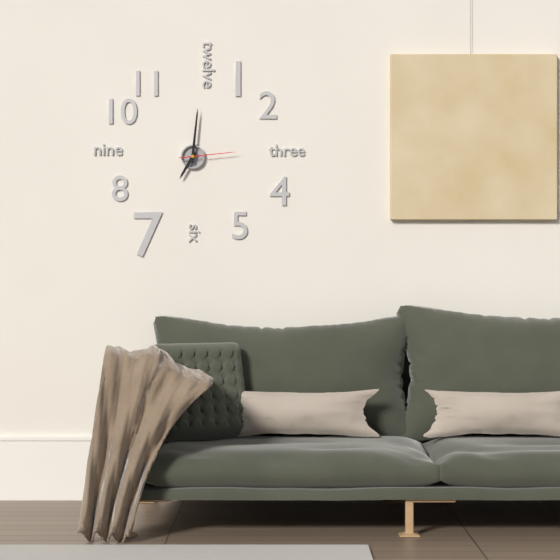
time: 7:01:14
